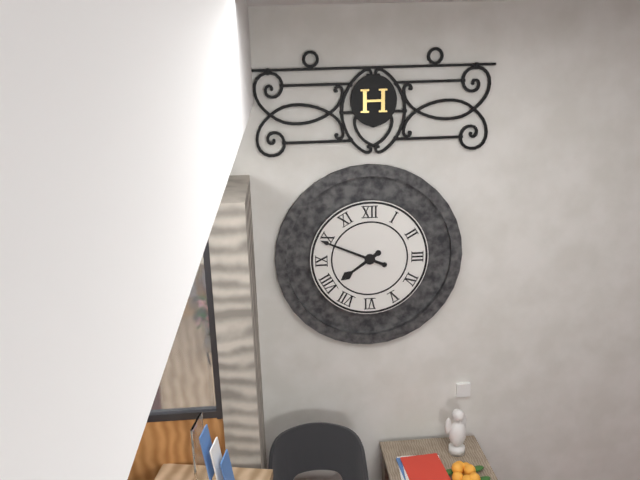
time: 7:49
